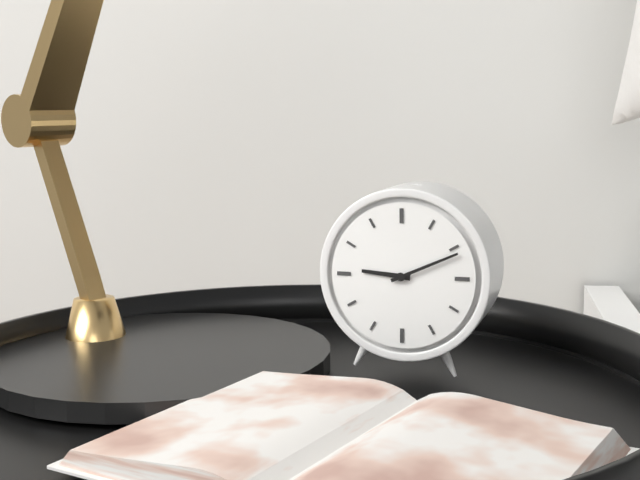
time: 9:11
